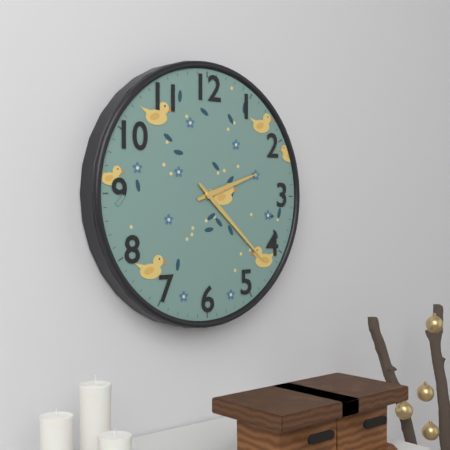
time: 2:22
